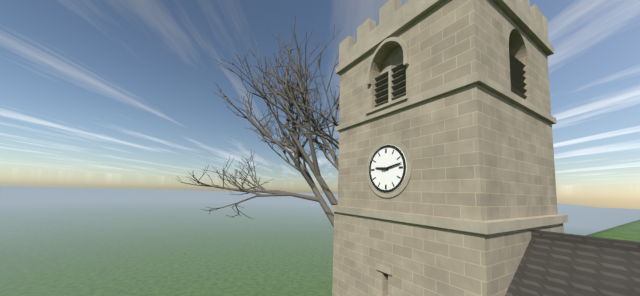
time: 9:13
